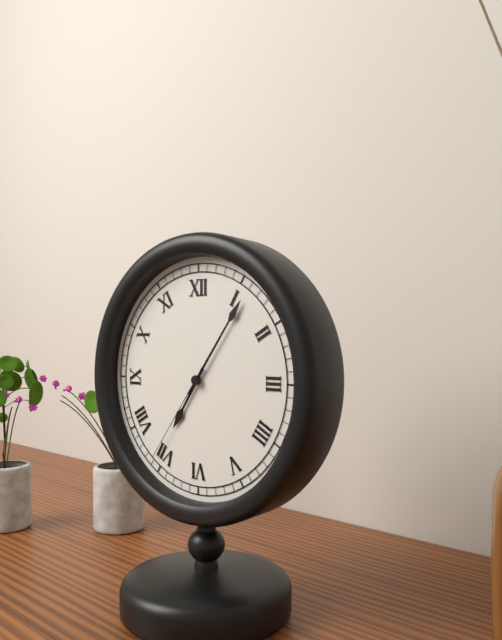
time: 7:06:36
